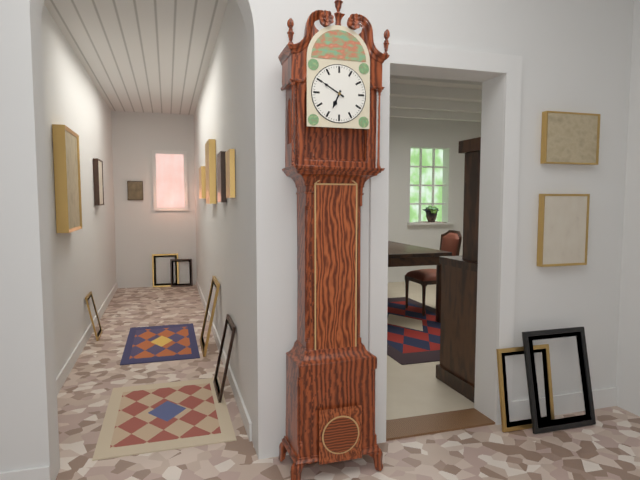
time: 6:50
